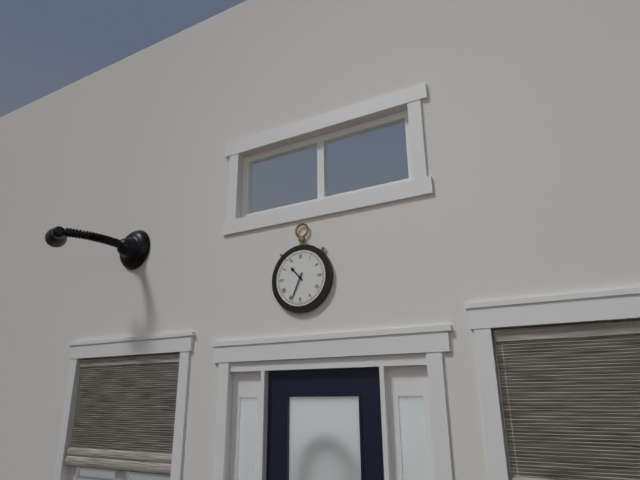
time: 10:34
